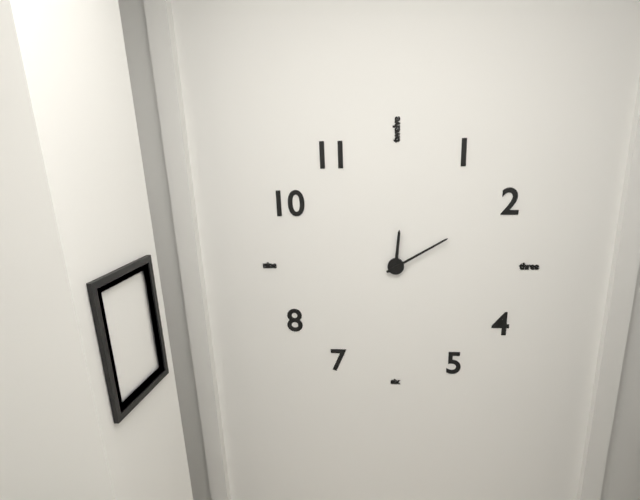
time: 12:10
